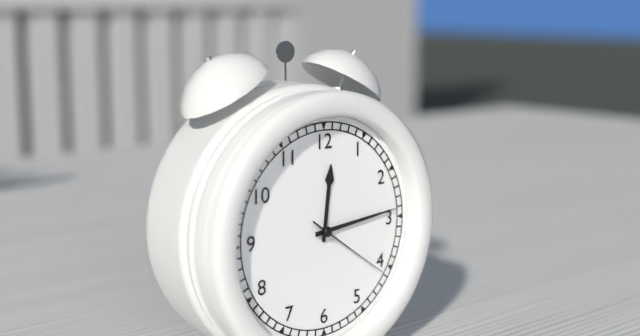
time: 12:14:21
